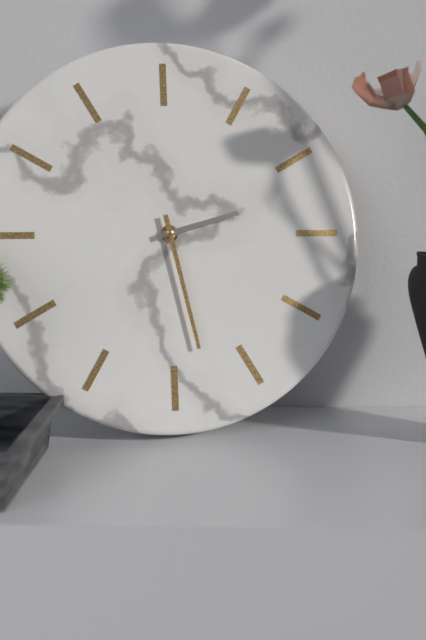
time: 2:28
